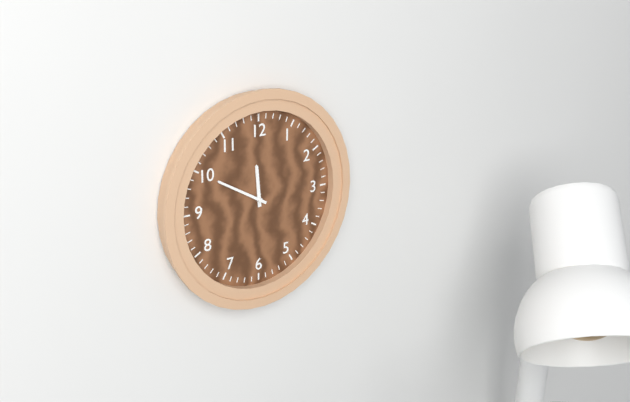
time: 11:50
